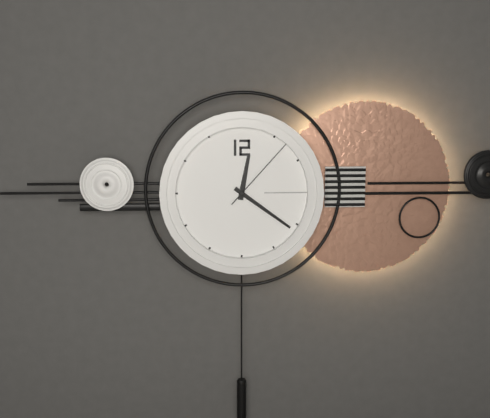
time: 12:21:07
